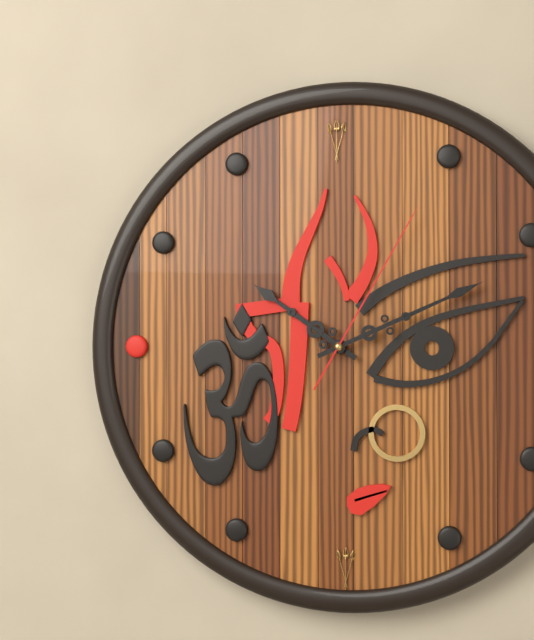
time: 10:11:05
